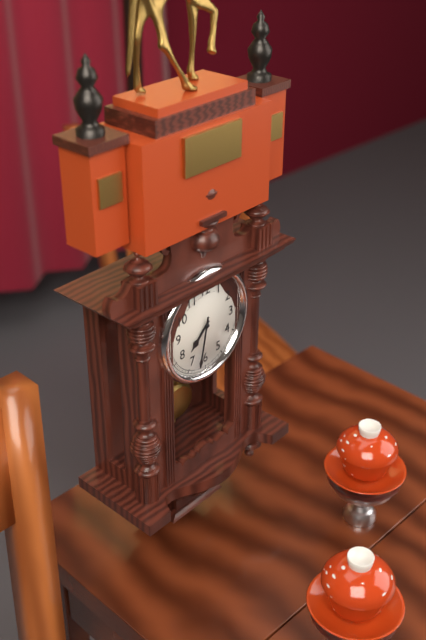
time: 7:32
